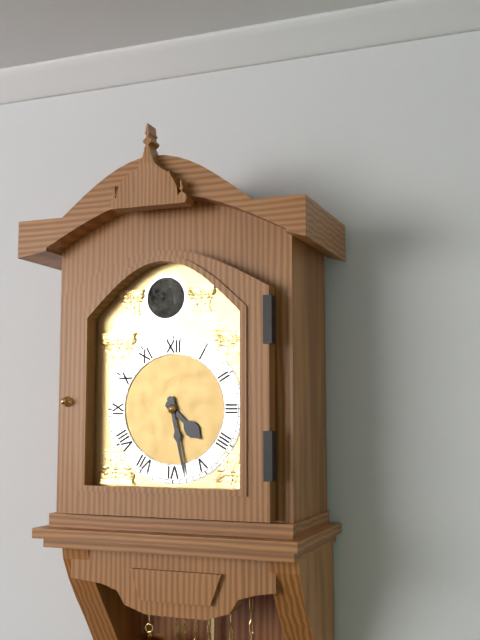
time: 4:28
